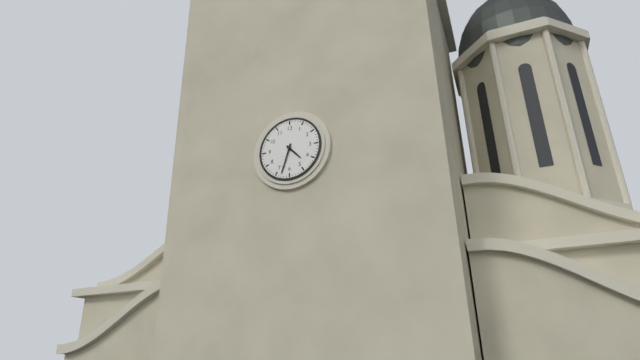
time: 4:33
